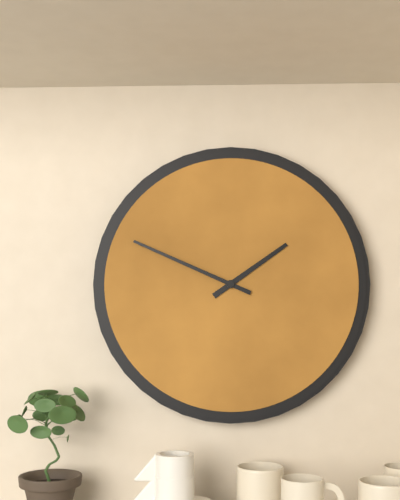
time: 1:49
